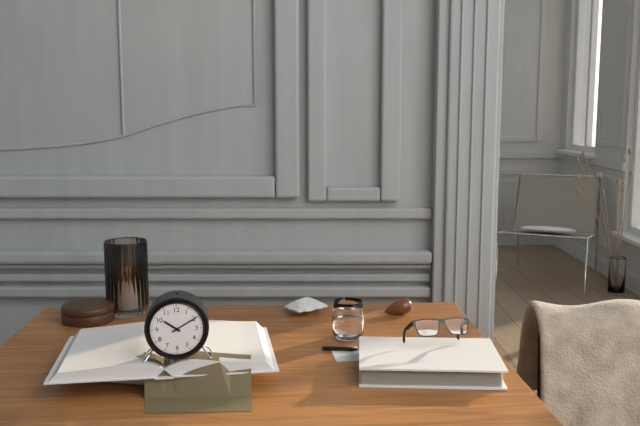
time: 10:10
